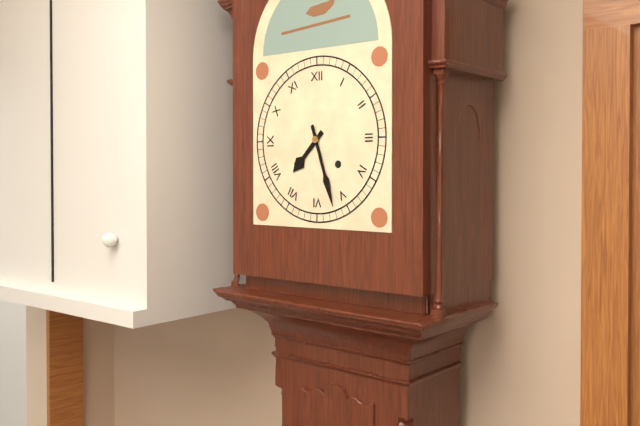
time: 7:27
